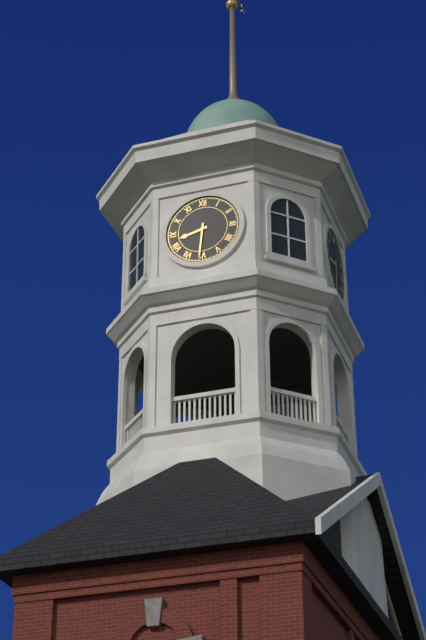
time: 8:31
